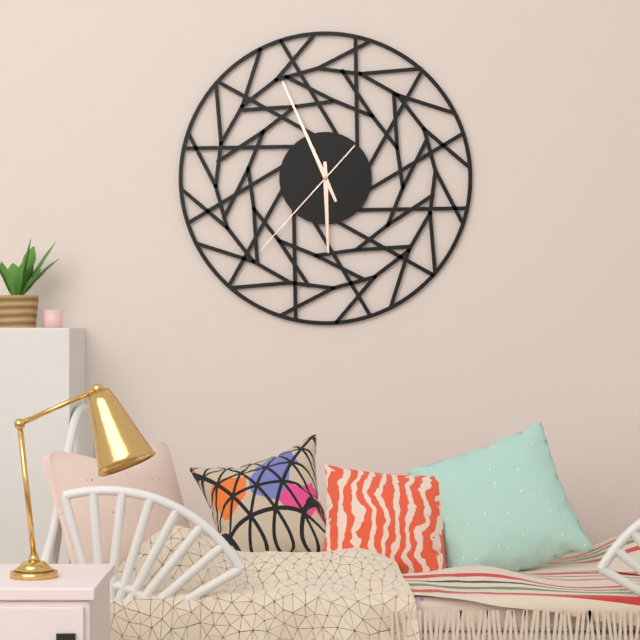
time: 5:56:37
